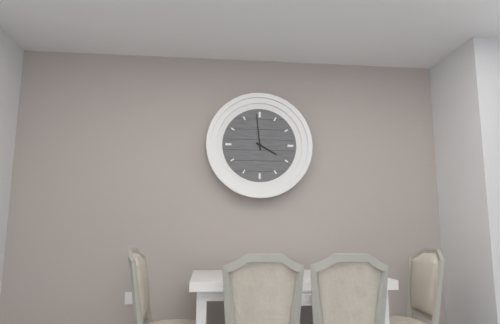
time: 3:59
